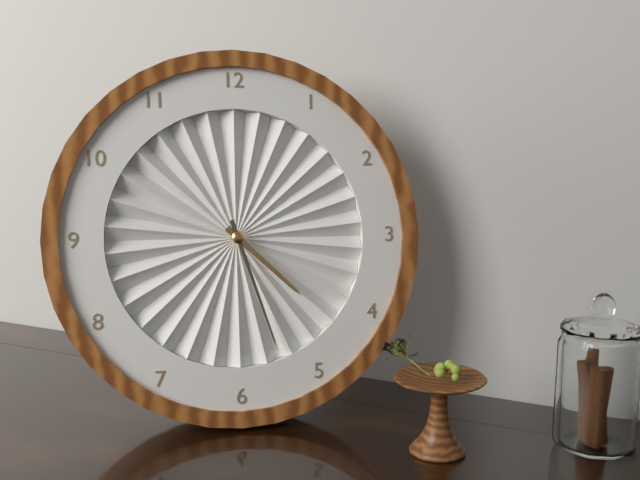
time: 4:27
